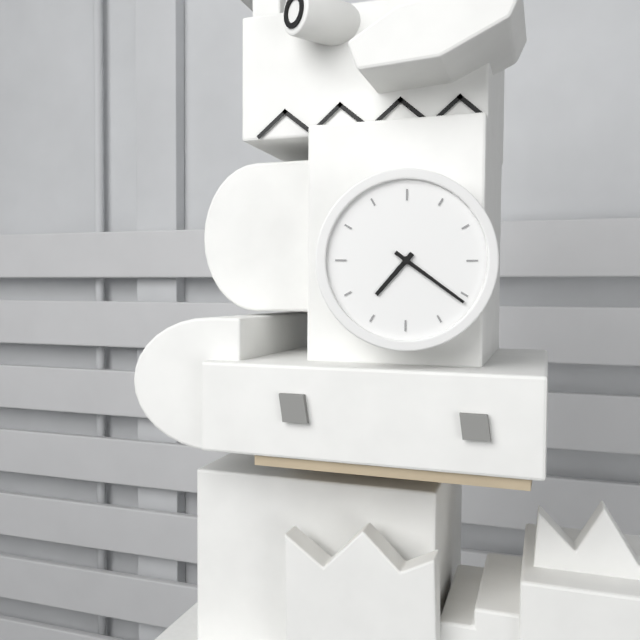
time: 7:21
